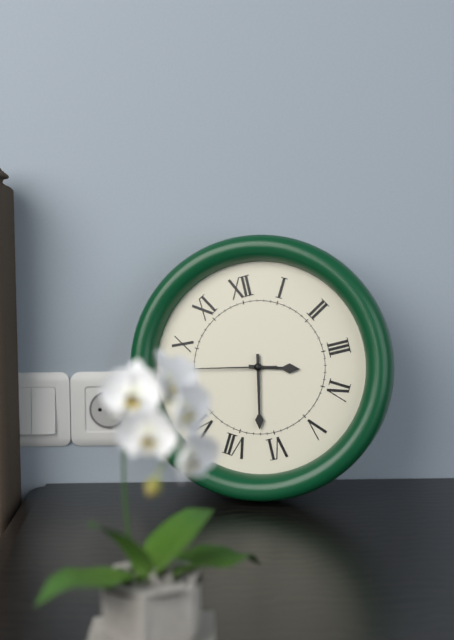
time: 3:32
